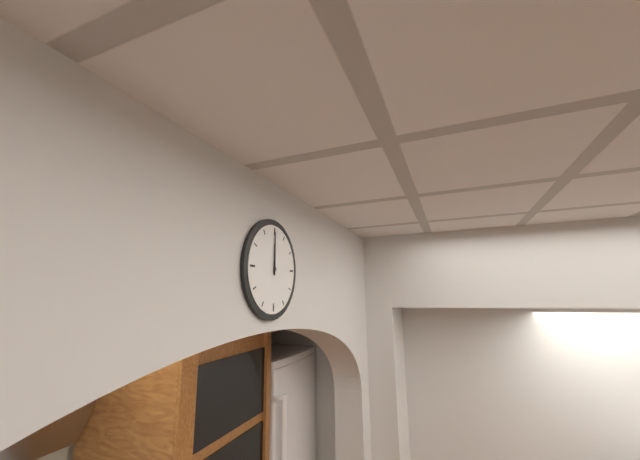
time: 12:00
